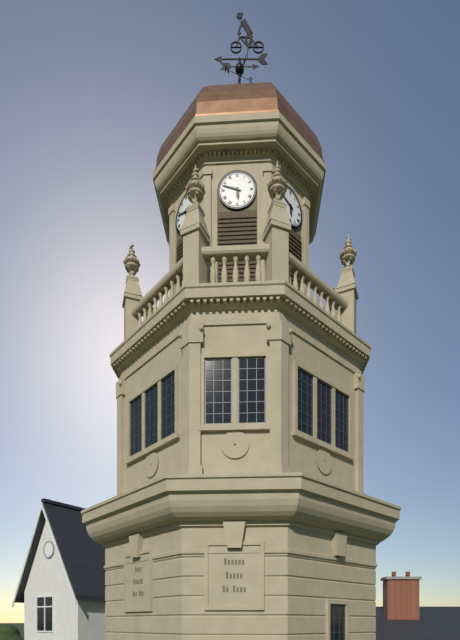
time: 5:48
